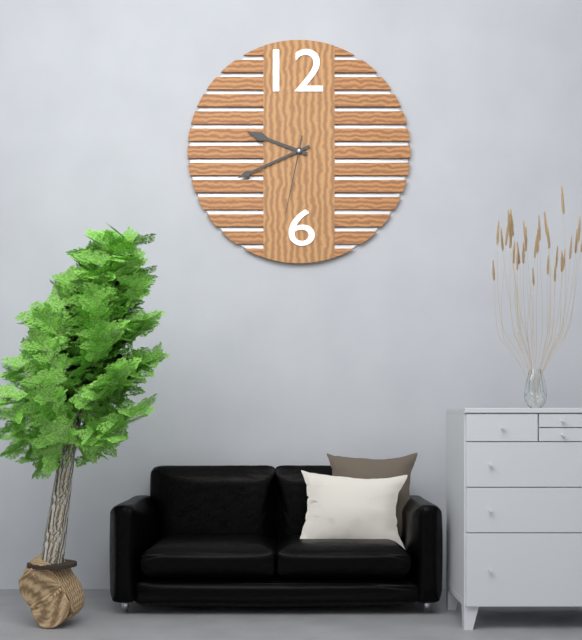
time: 9:41:32
